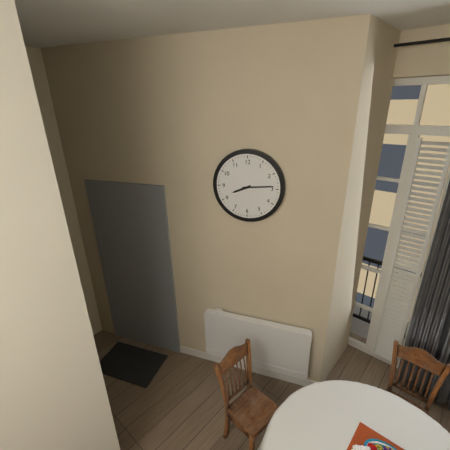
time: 8:14
